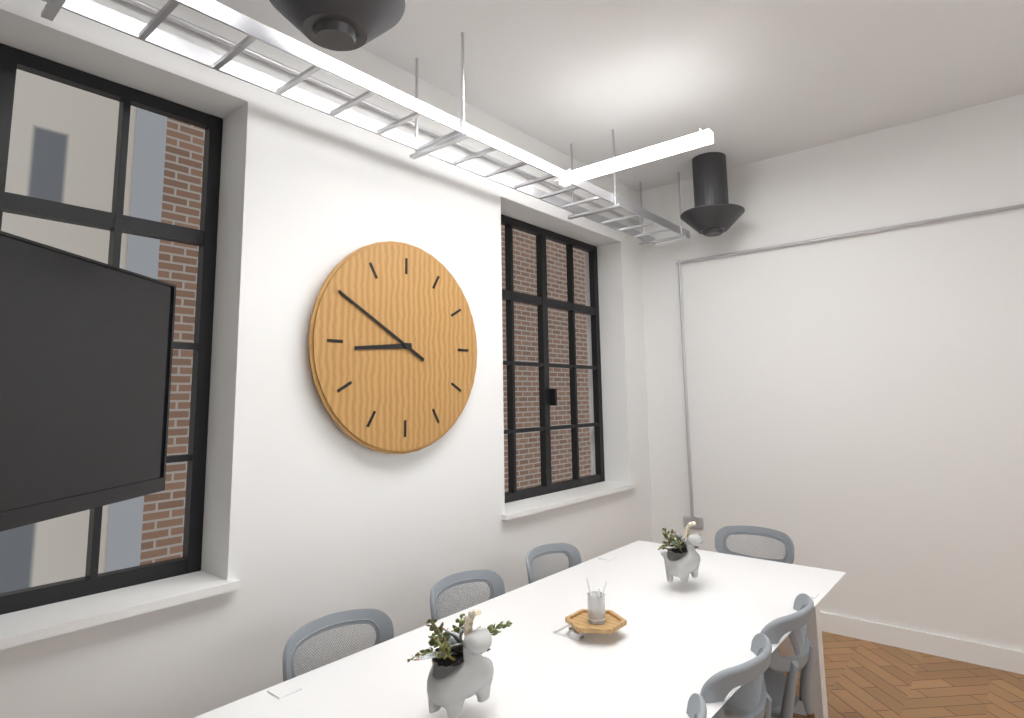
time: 8:50
